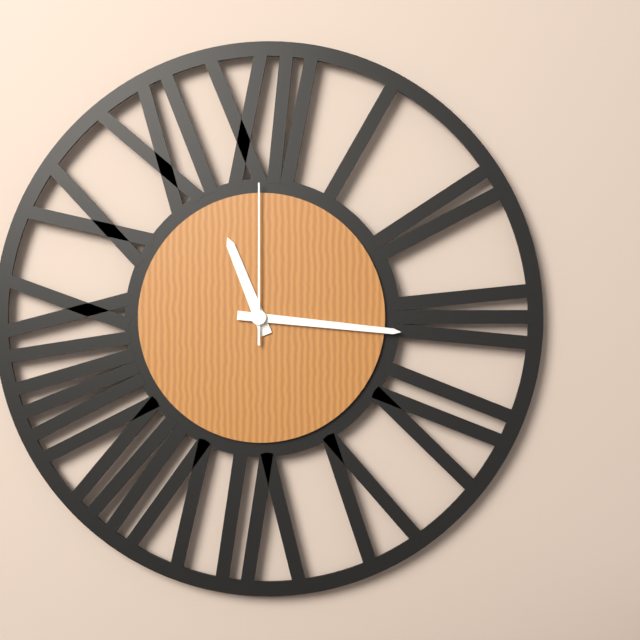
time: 11:16:00
